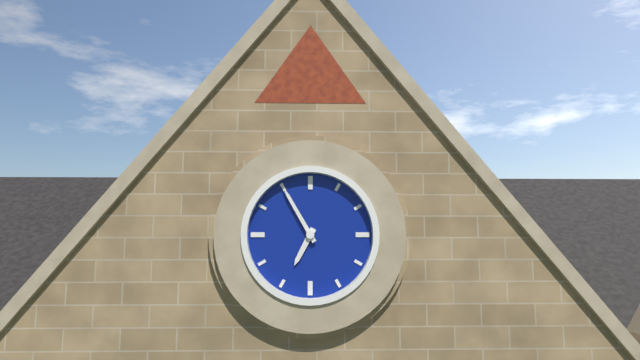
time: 6:55
